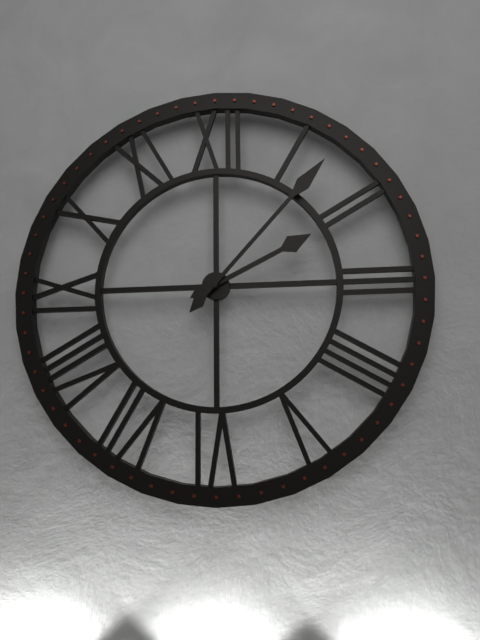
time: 2:07
